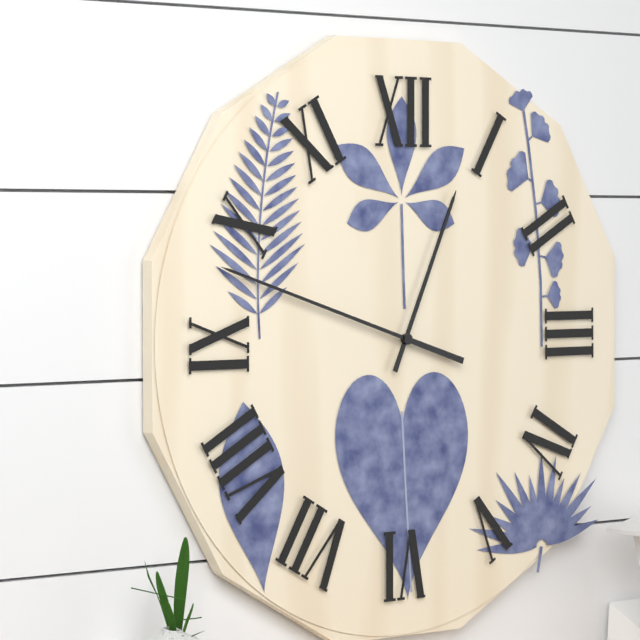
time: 12:48
